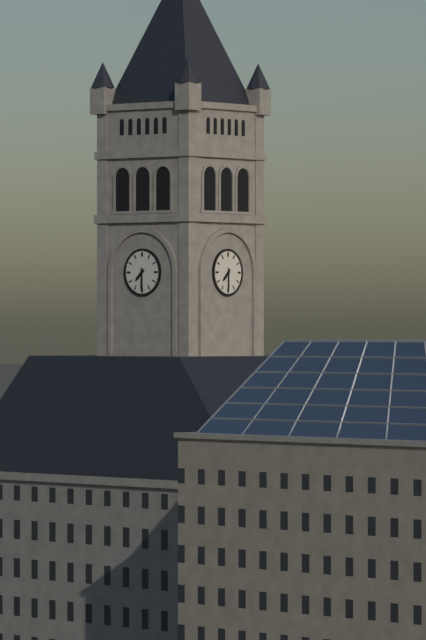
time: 7:30
